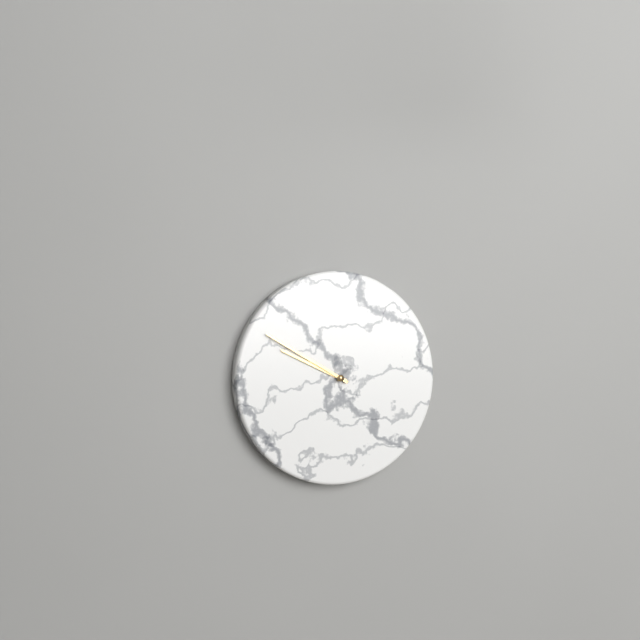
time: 9:50
